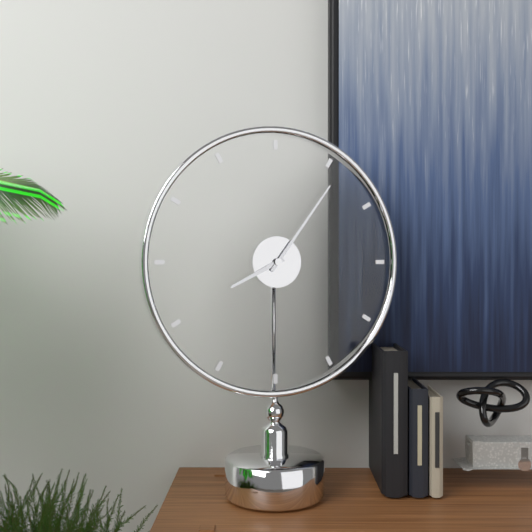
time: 8:06
